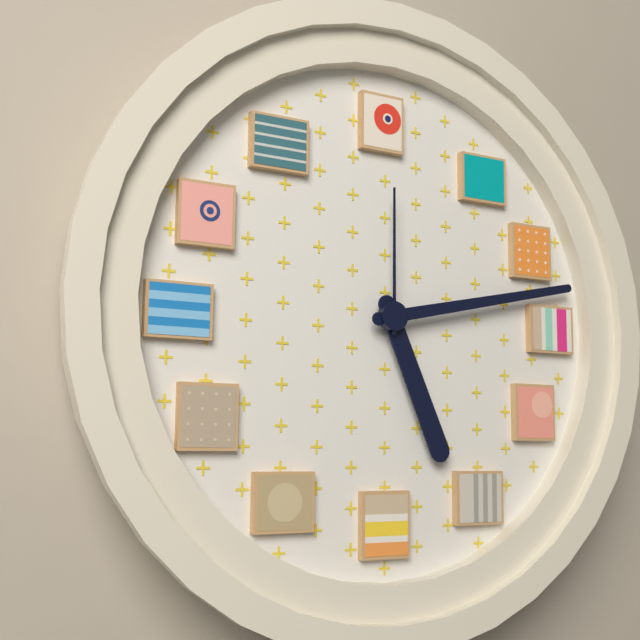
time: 5:13:00
